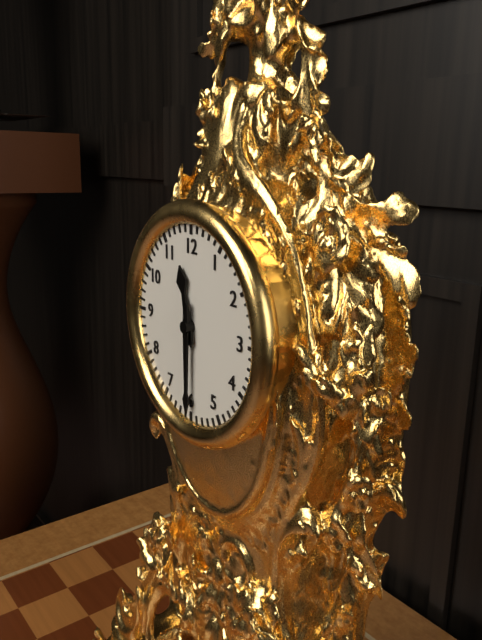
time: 11:30
